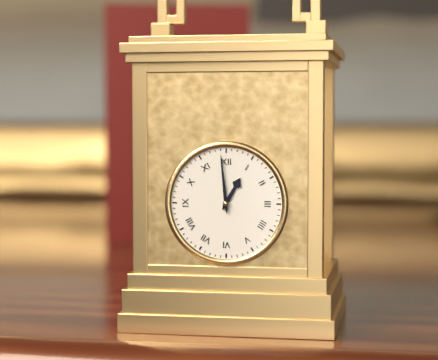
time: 12:59
